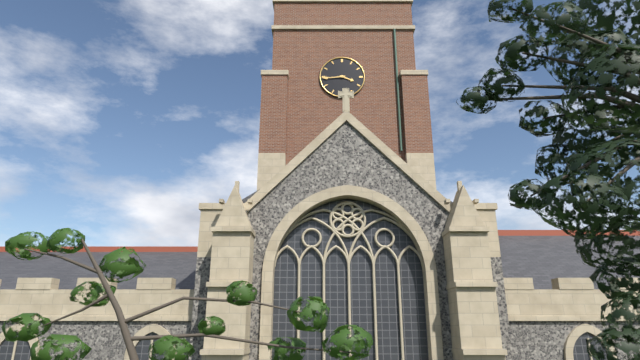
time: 3:44
